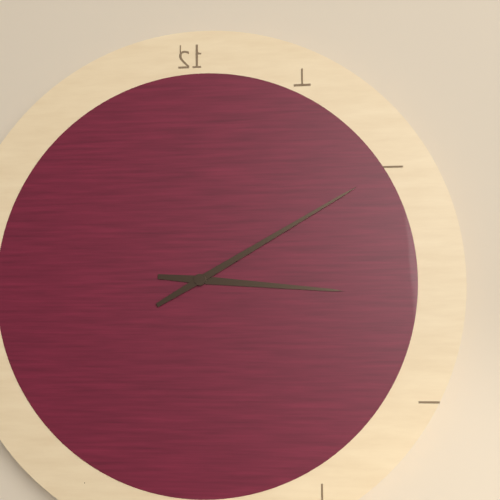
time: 3:10
